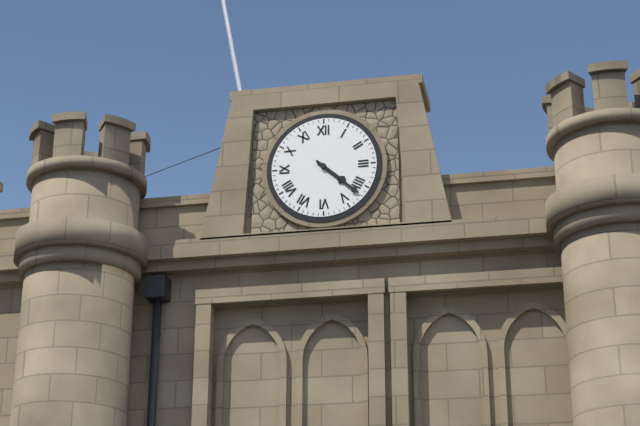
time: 4:22
